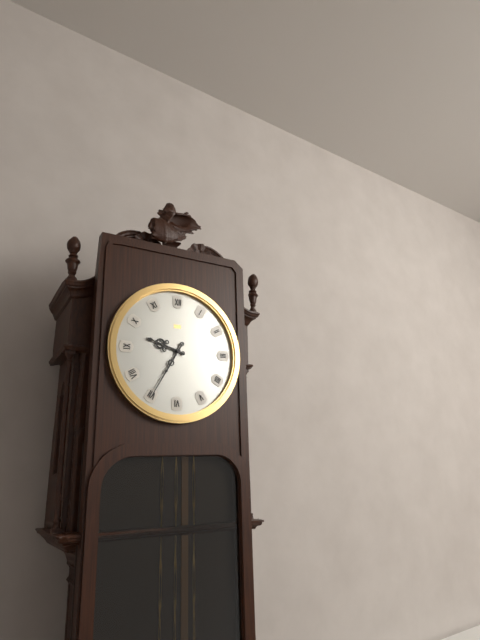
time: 9:35
